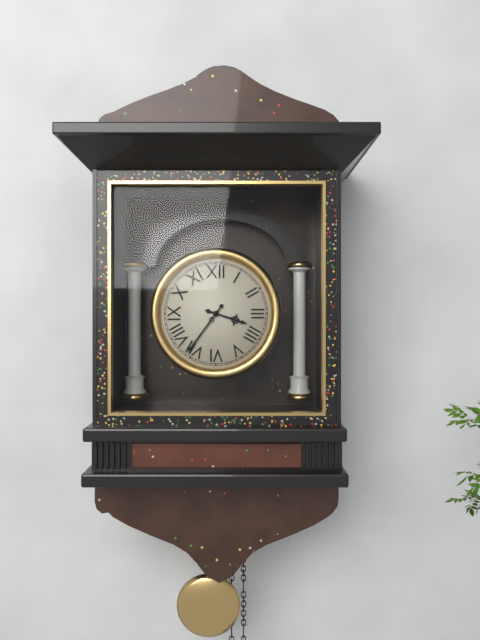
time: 3:36
